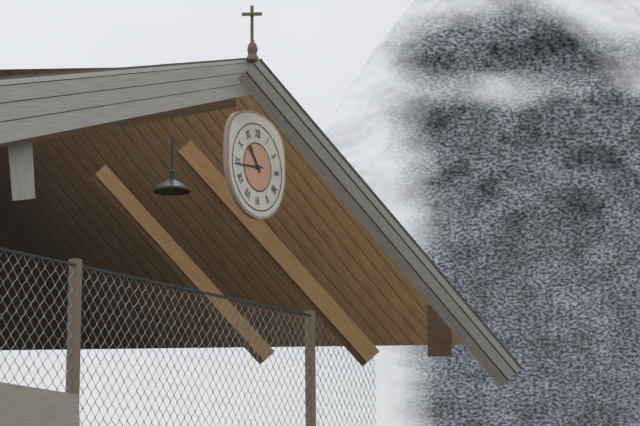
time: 10:44
